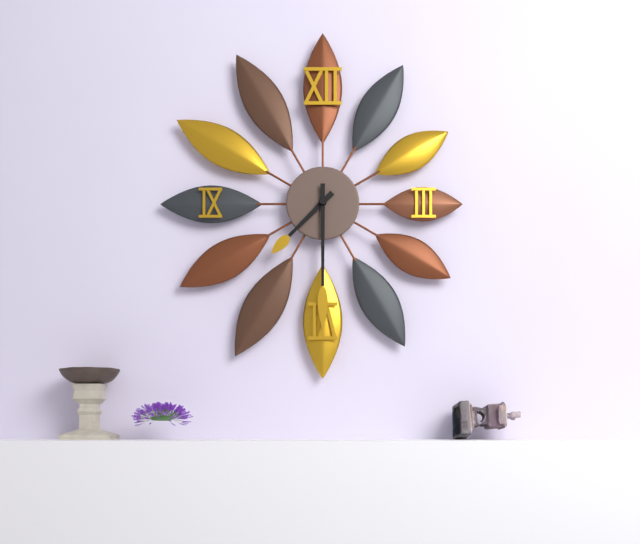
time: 7:30
